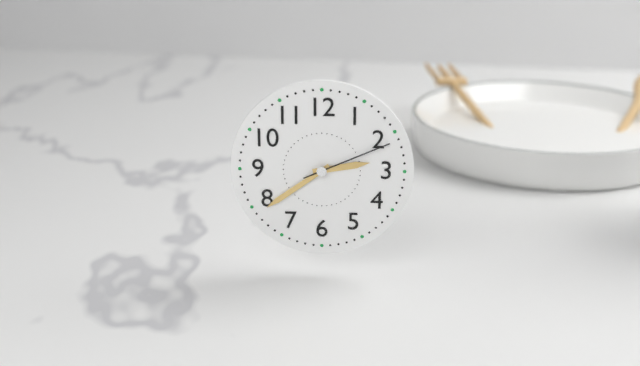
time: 2:39:11
